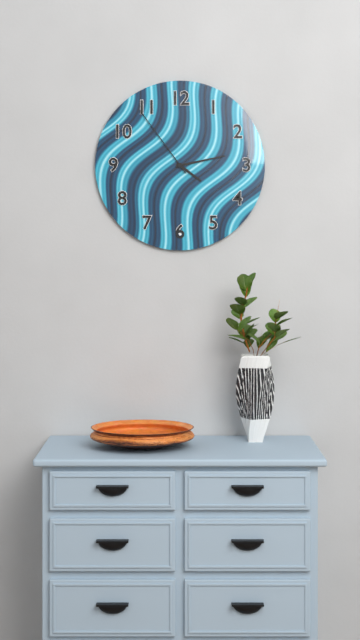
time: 4:13:54
